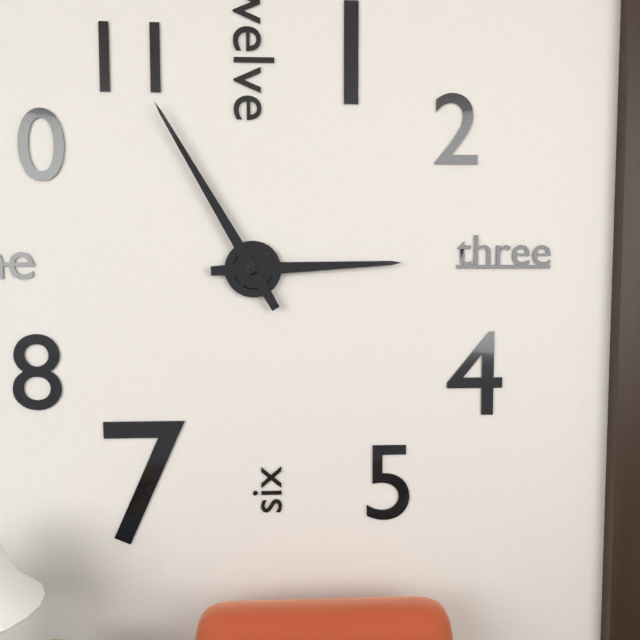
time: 2:55
